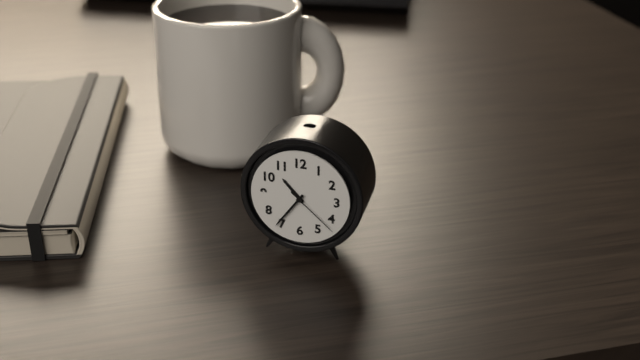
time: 10:36:22
